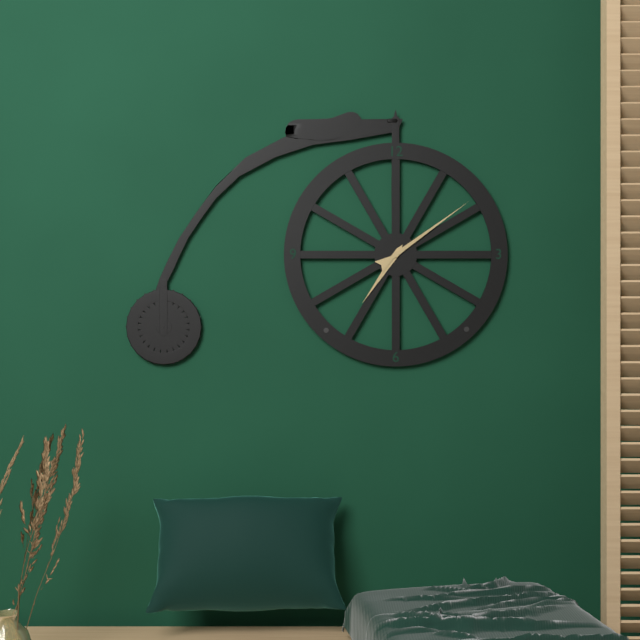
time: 7:09
